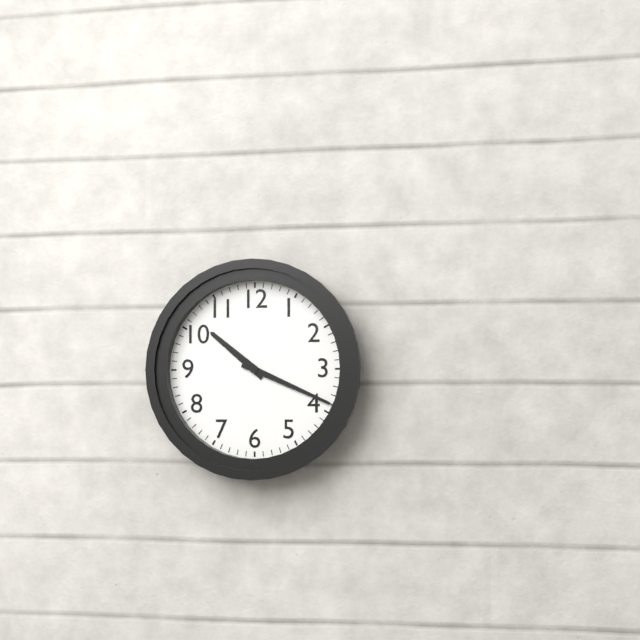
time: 10:19
